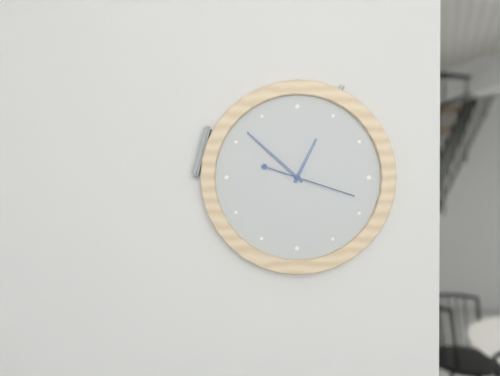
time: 12:52:18
